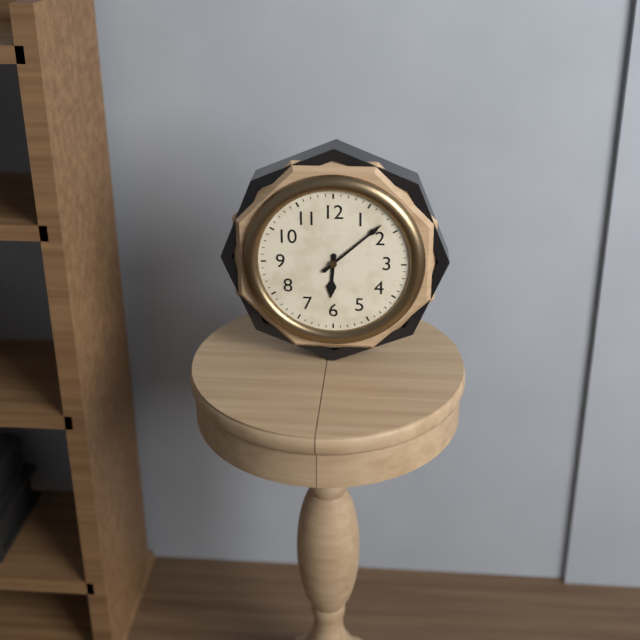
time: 6:08
